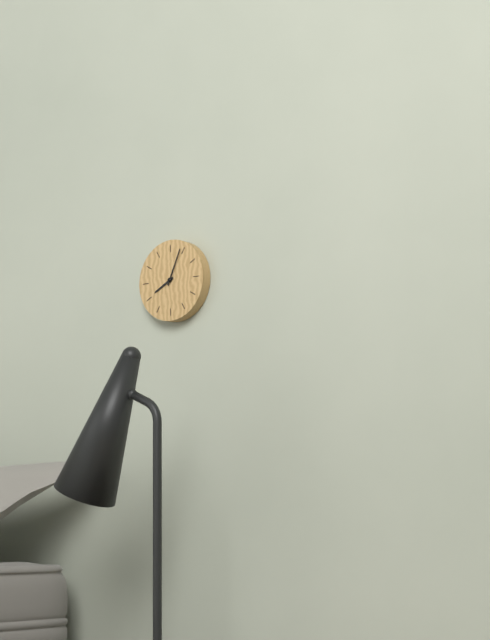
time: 8:04
